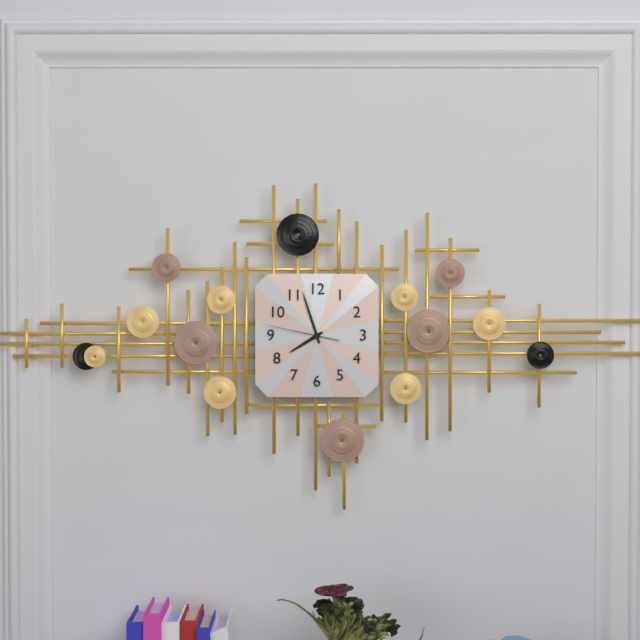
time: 7:57:47
